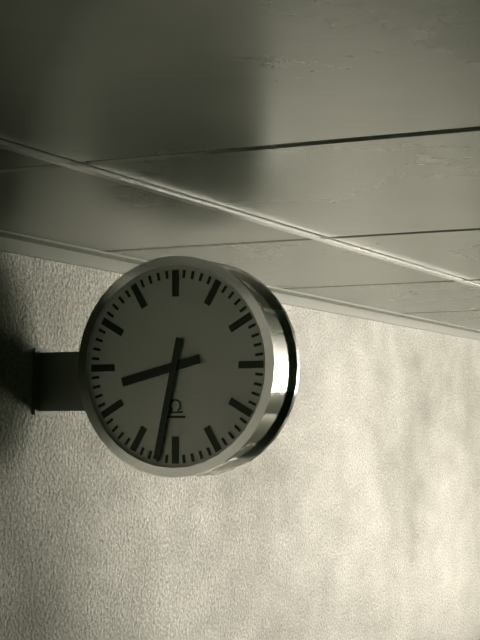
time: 8:32
